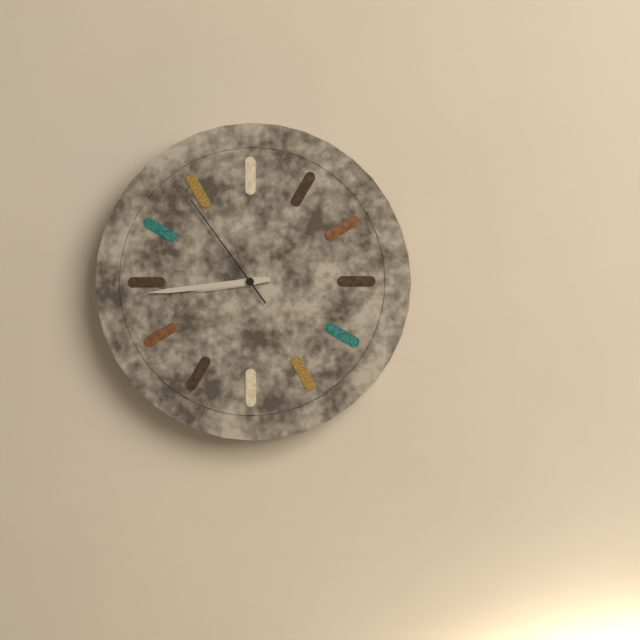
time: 8:44:54
